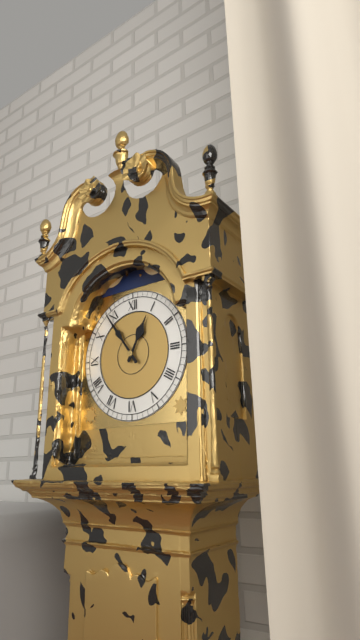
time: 12:54
